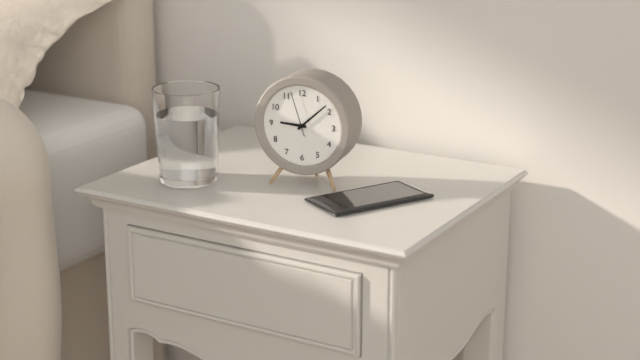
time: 9:08
